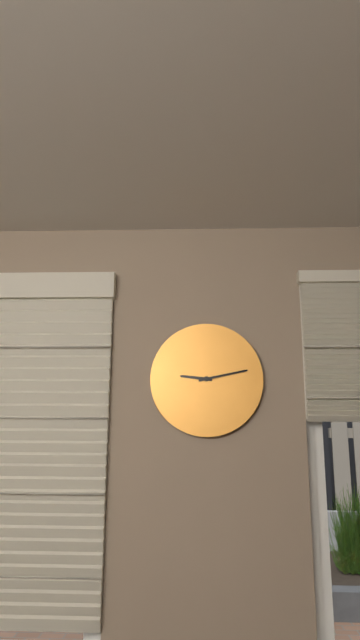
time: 9:13
